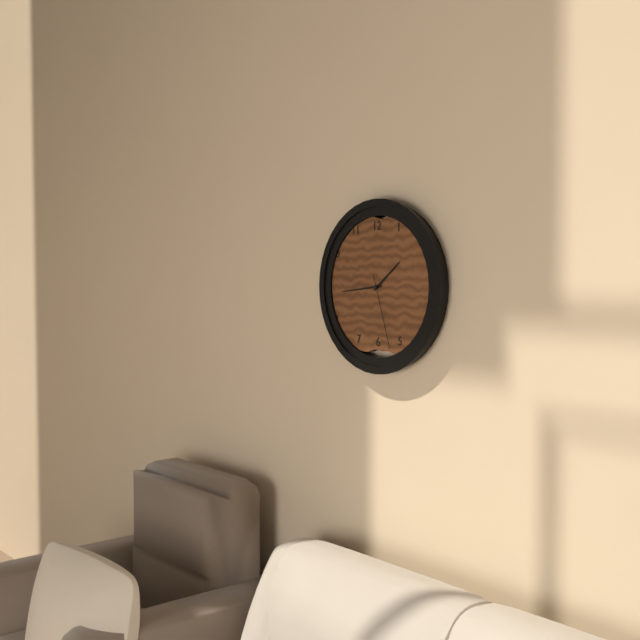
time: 1:44:27
